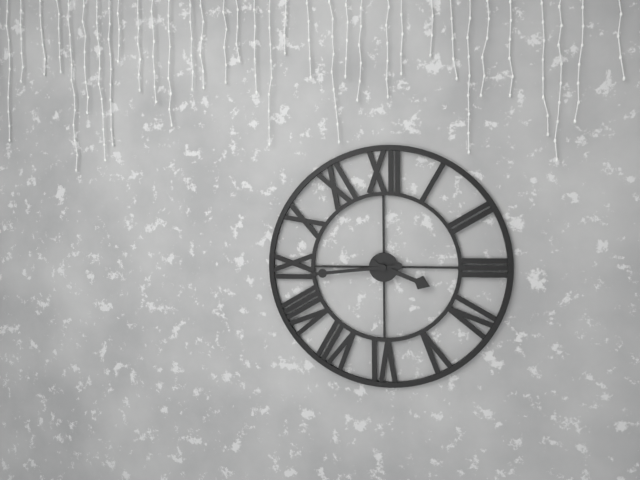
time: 3:44
